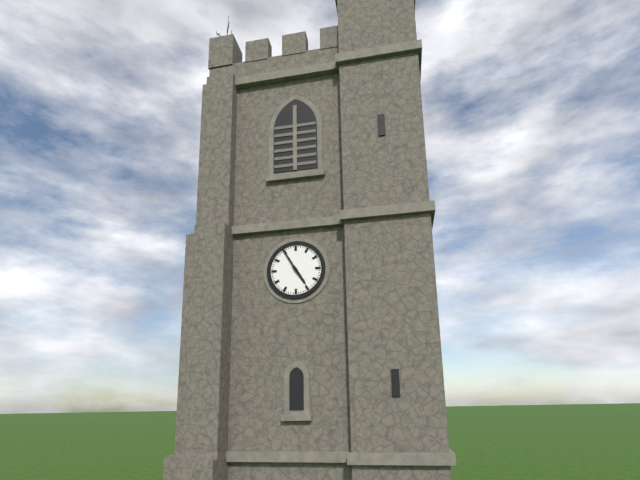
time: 4:55
